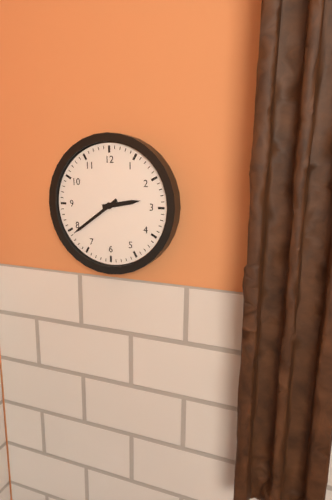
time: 2:39
